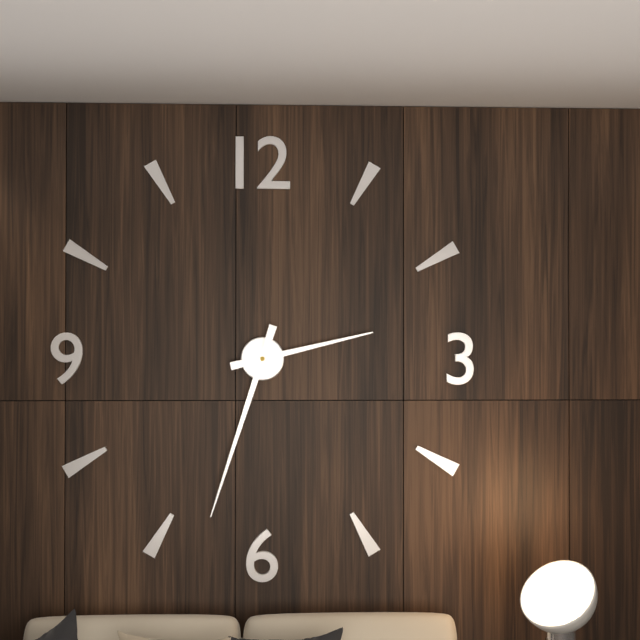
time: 2:33
